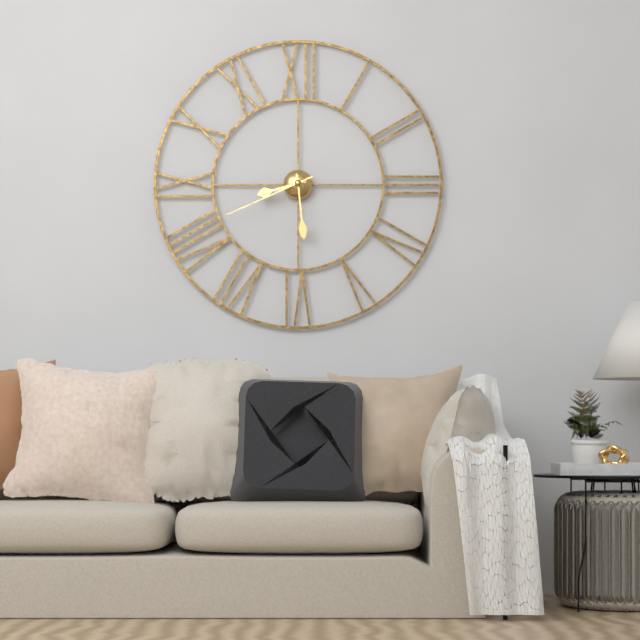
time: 8:29:41
